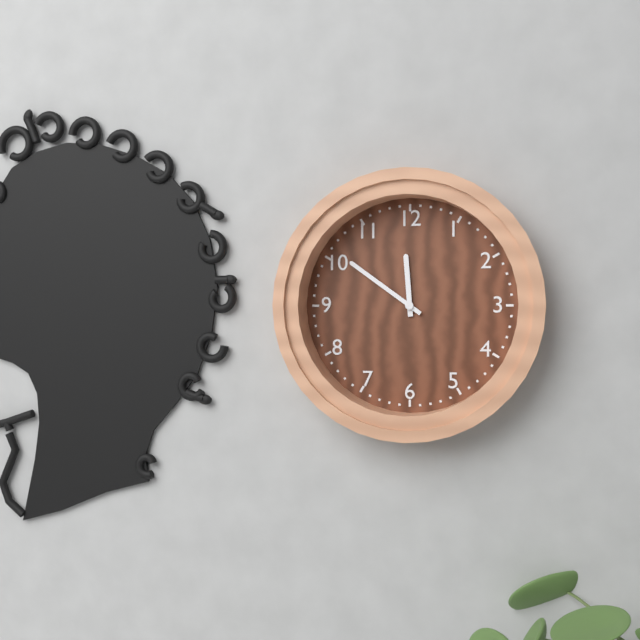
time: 11:51
